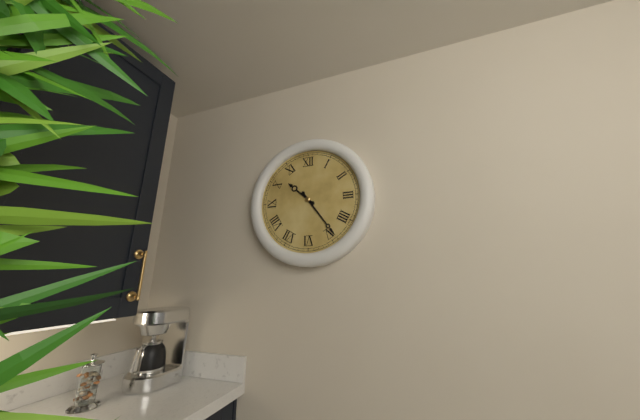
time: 10:24
